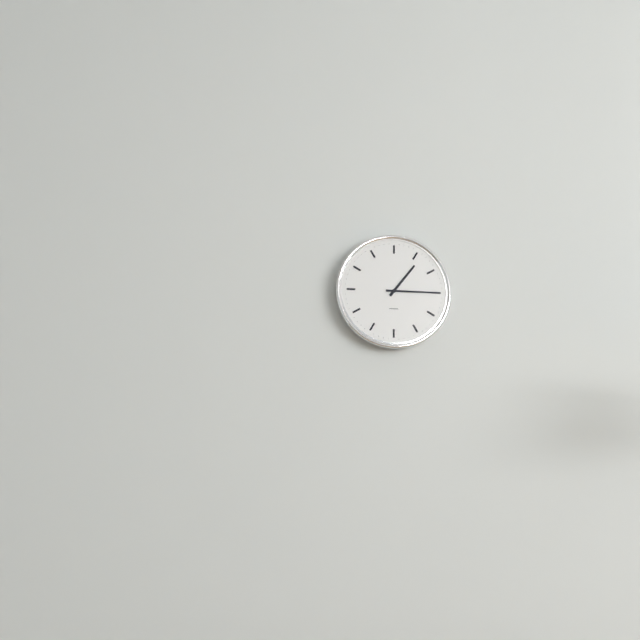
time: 1:15
